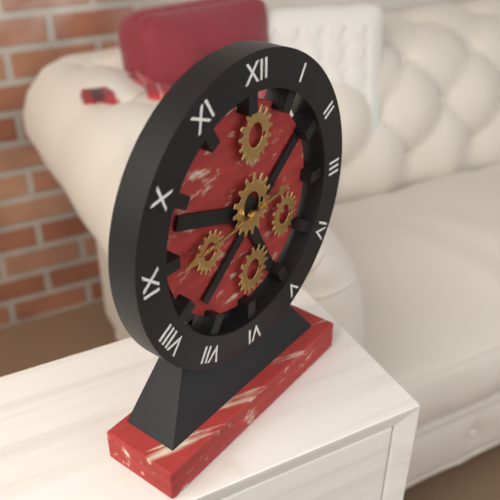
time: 2:44
